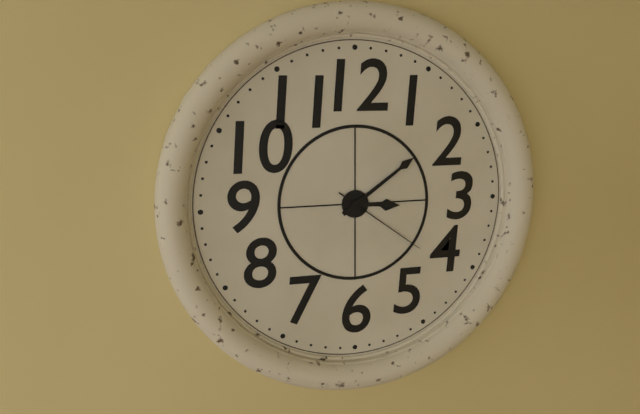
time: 3:09:21
